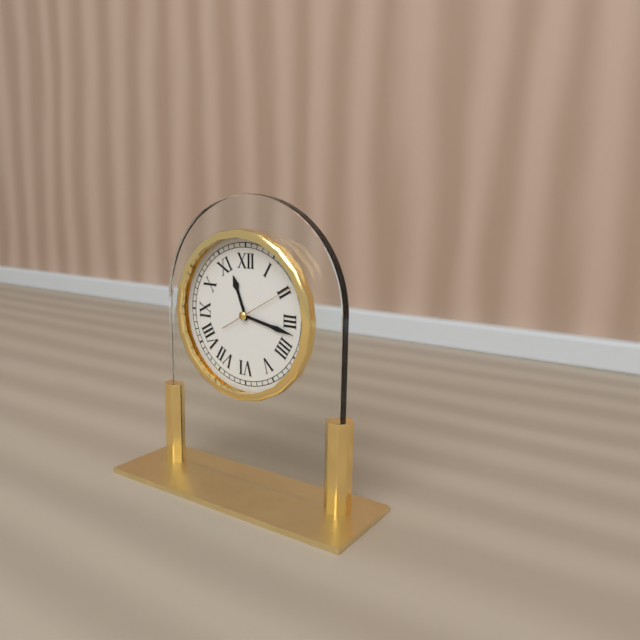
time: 11:17:10
